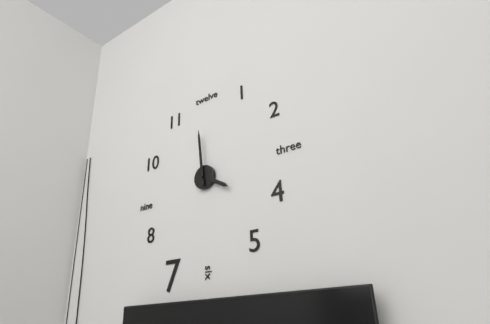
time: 3:59
